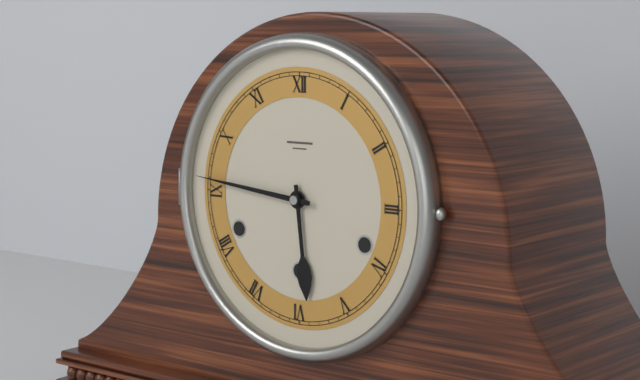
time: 5:46
